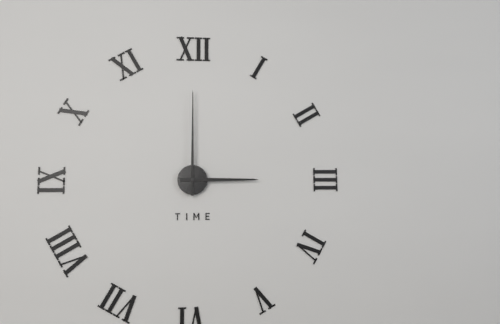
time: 3:00
